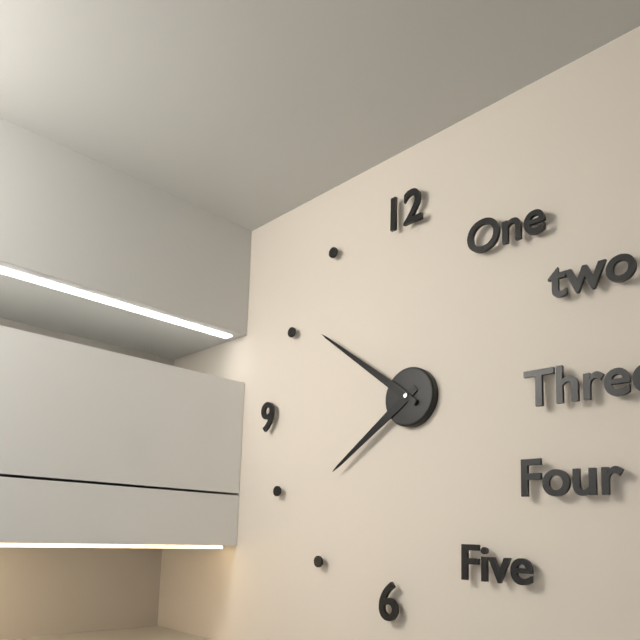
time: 7:51
